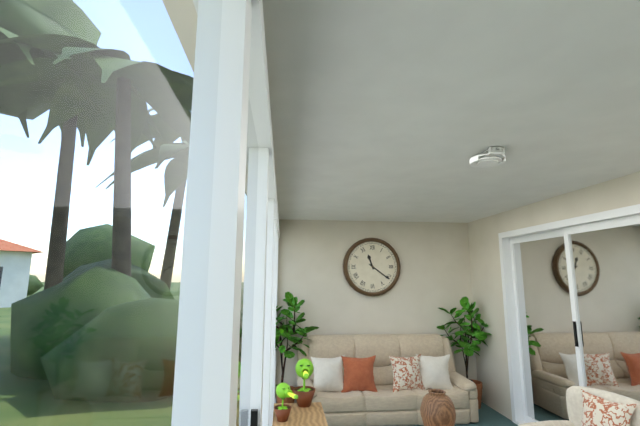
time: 11:21
